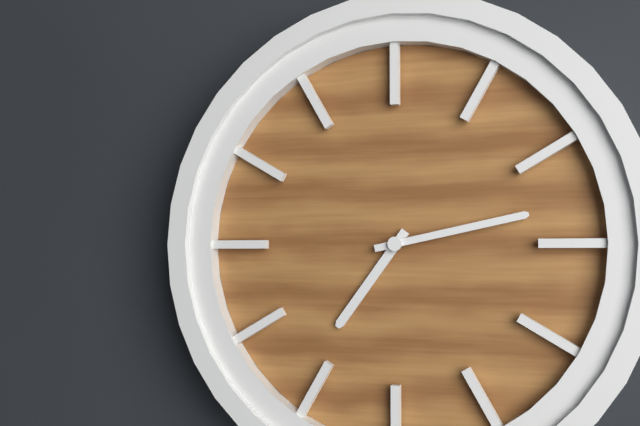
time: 7:13
